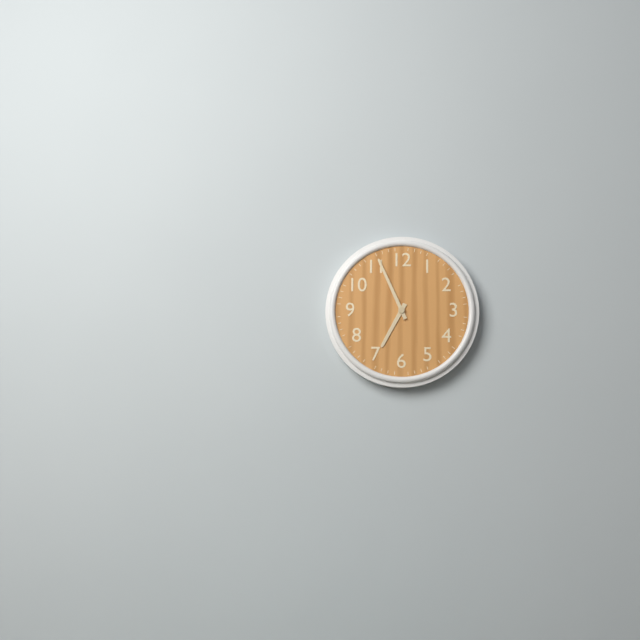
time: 6:56
